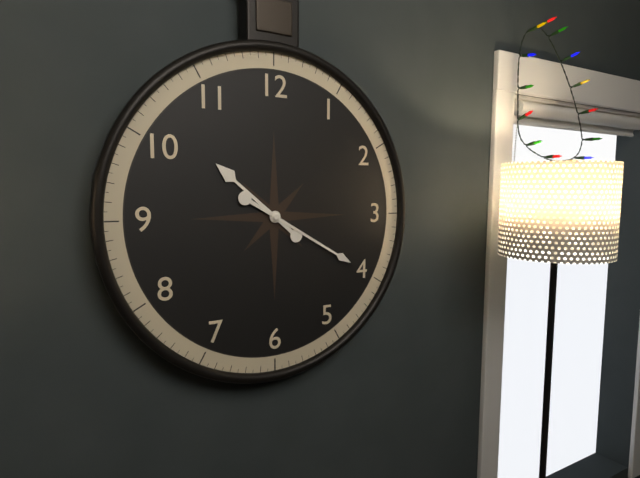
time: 10:20
